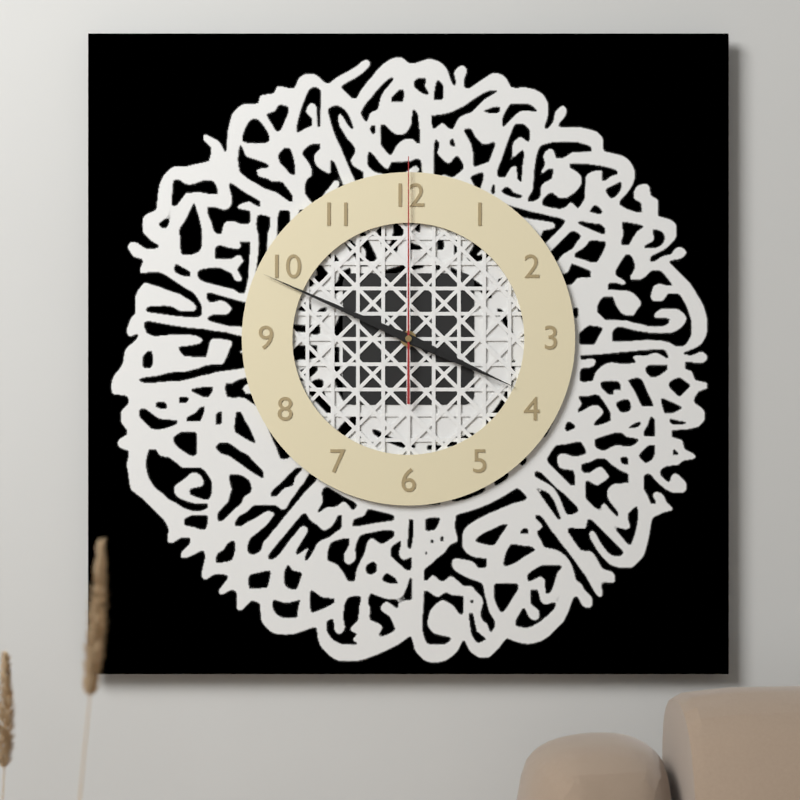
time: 3:49:00
